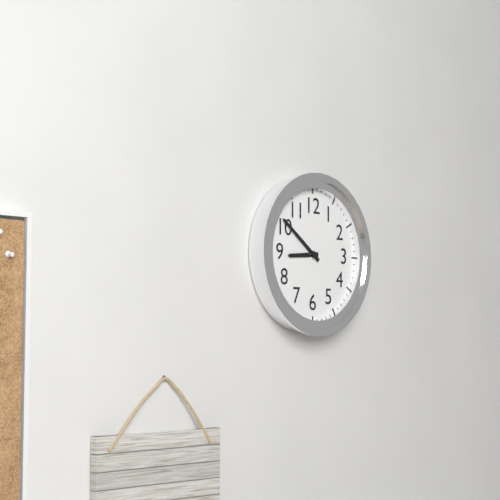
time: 8:51
